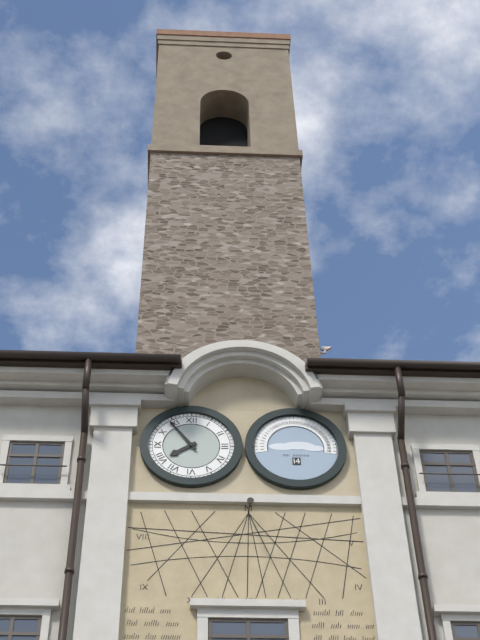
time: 7:54
